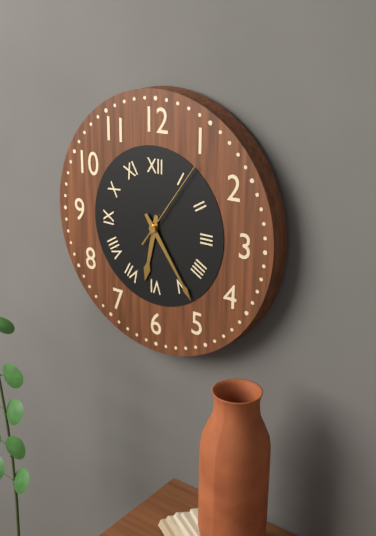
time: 6:24:06
